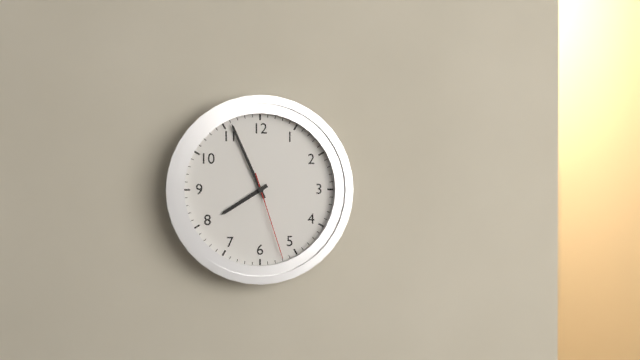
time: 7:56:27
